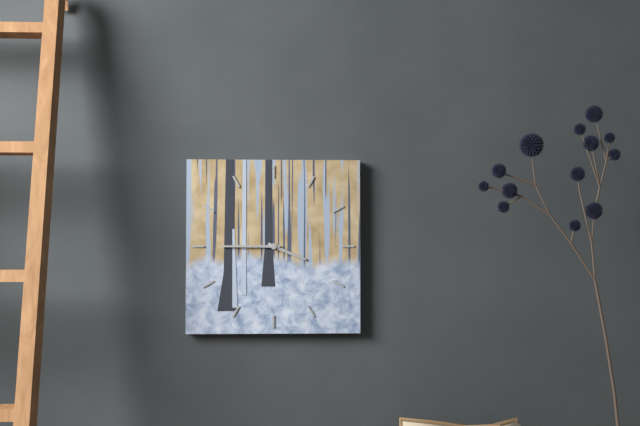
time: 3:45
